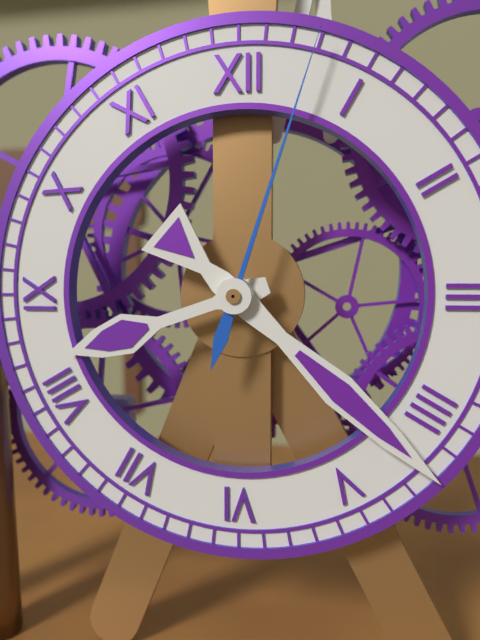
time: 8:22:03
